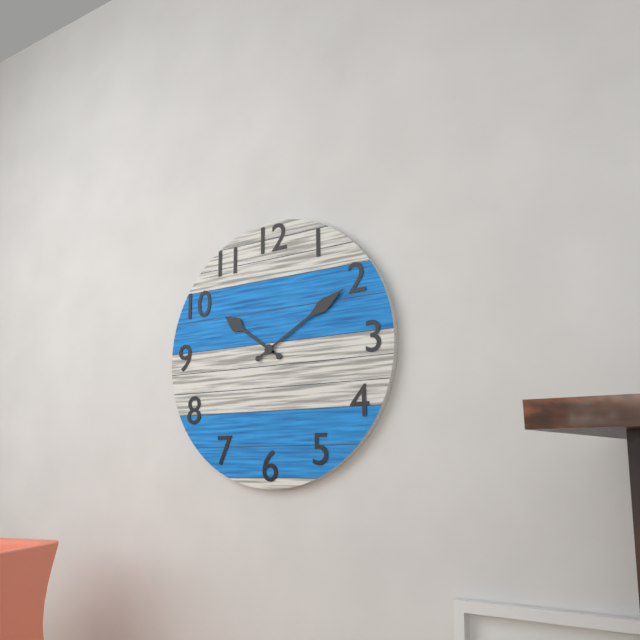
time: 10:10
